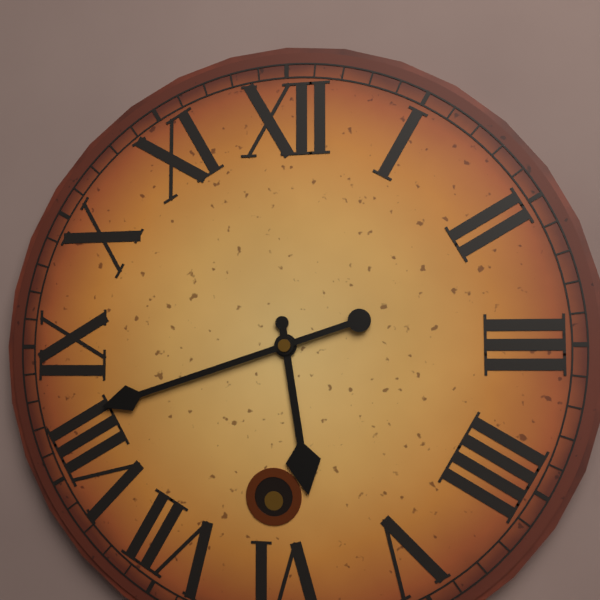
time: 5:42
